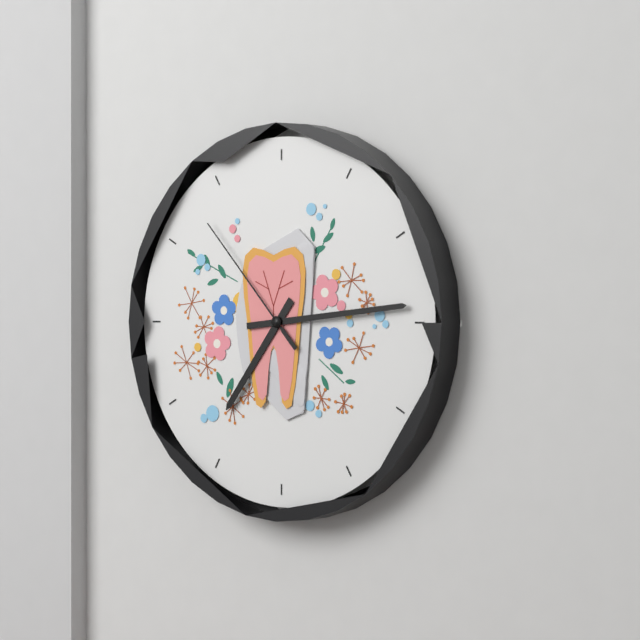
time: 7:14:53
